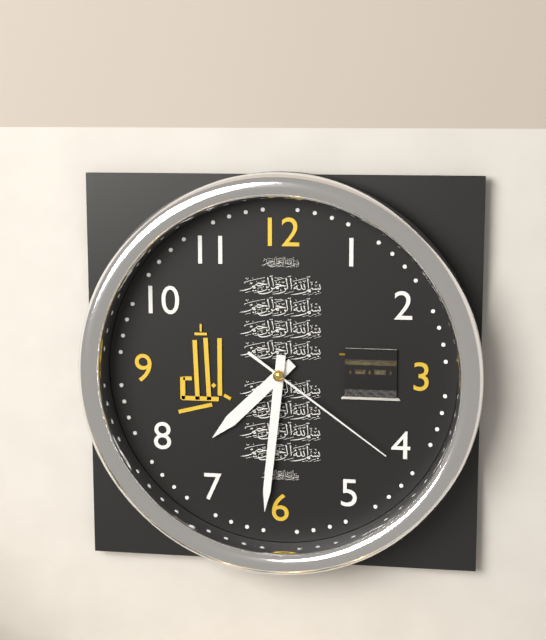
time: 7:31:21
